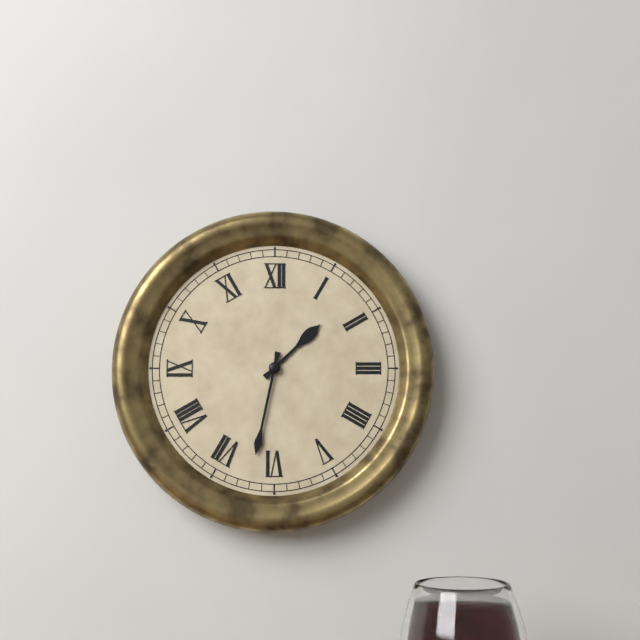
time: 1:32
